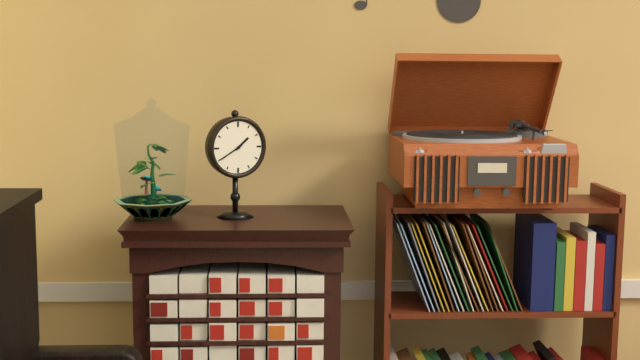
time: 1:40
